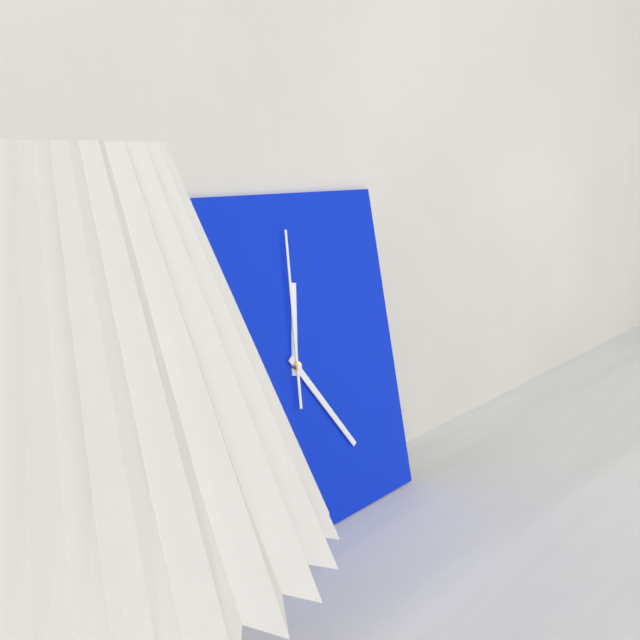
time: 12:24:01
